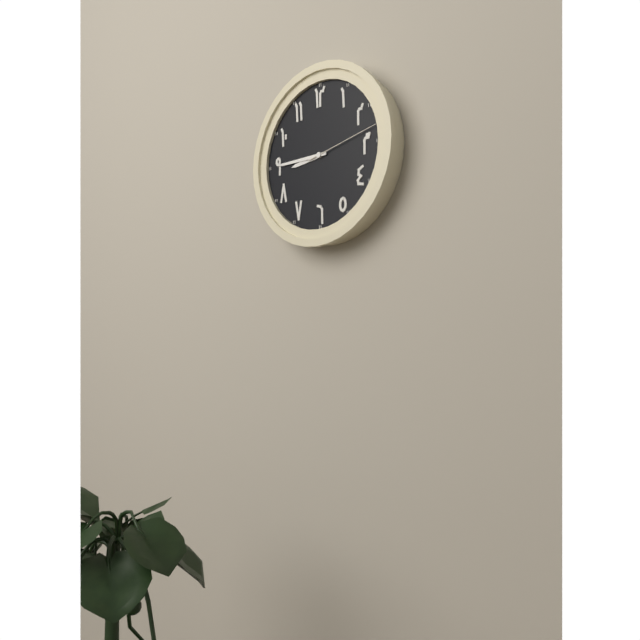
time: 8:45:13
